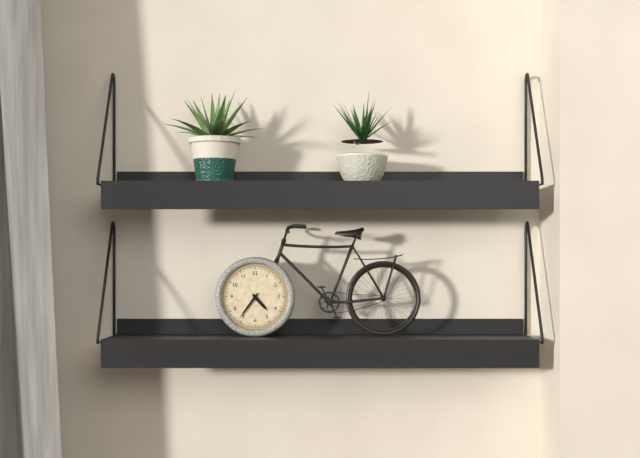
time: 4:36
